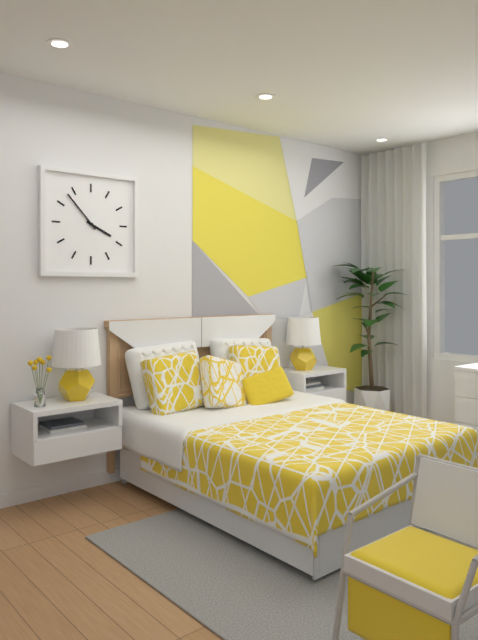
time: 3:53
